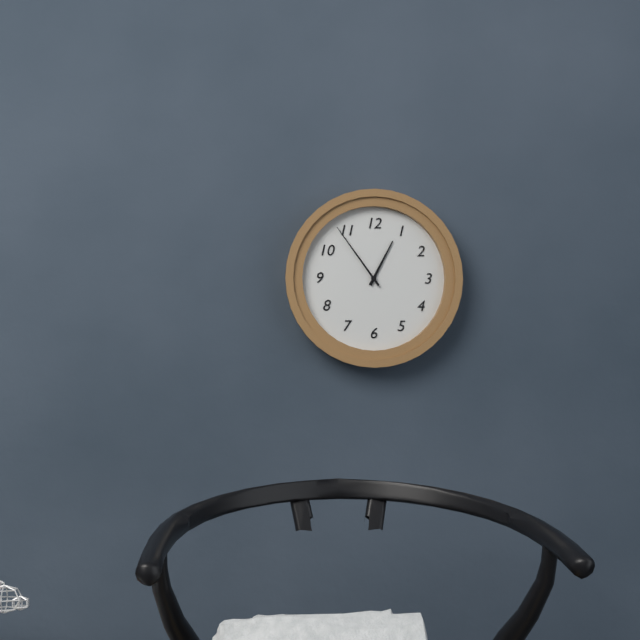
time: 12:54
